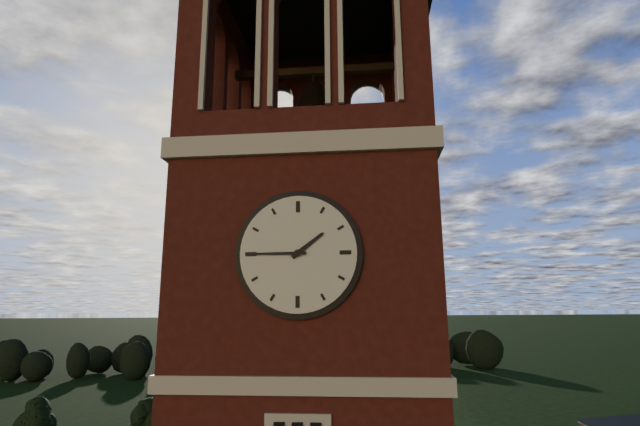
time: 1:45
